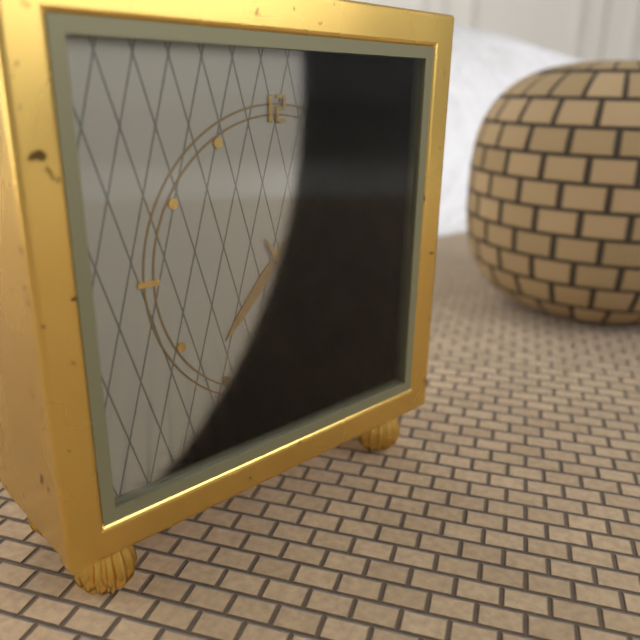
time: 7:24
